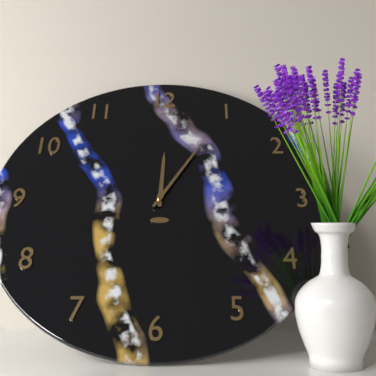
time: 12:05
